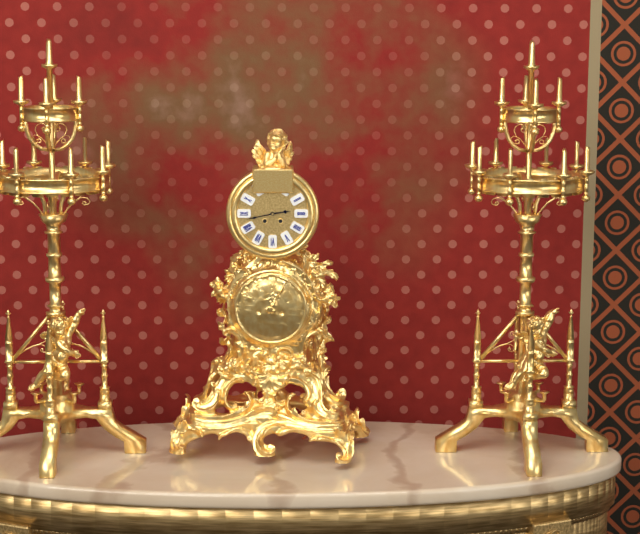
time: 2:43
